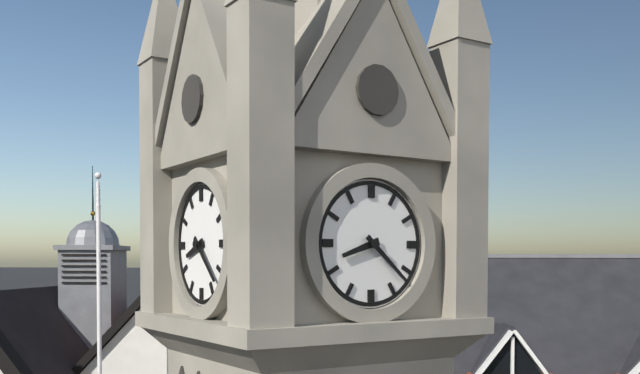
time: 8:22
